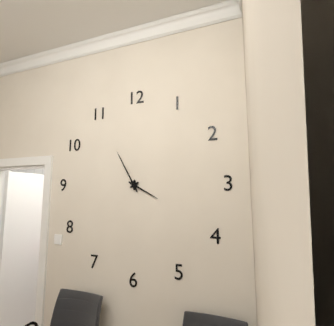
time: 3:55
